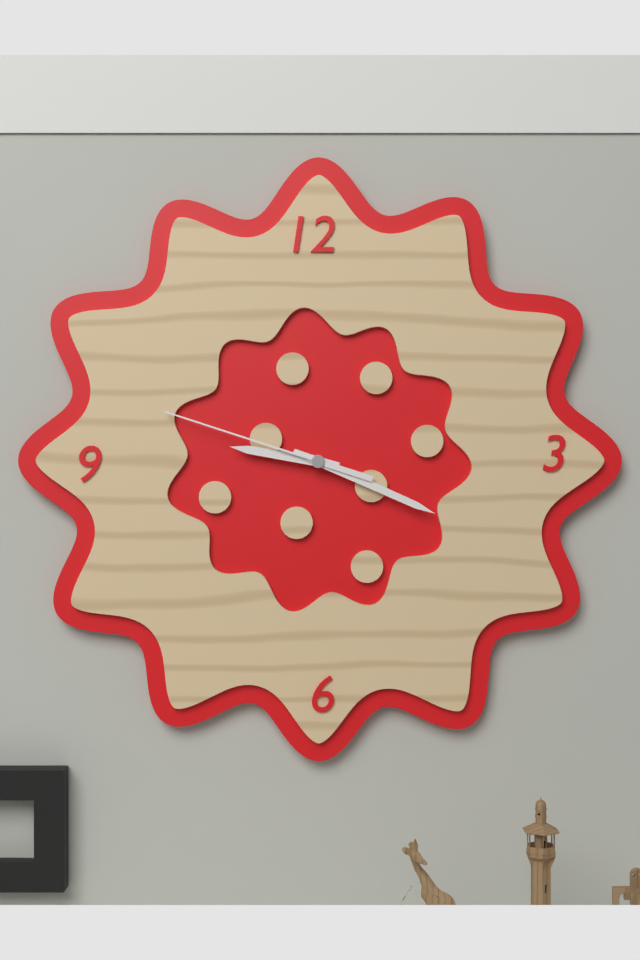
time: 9:19:48
